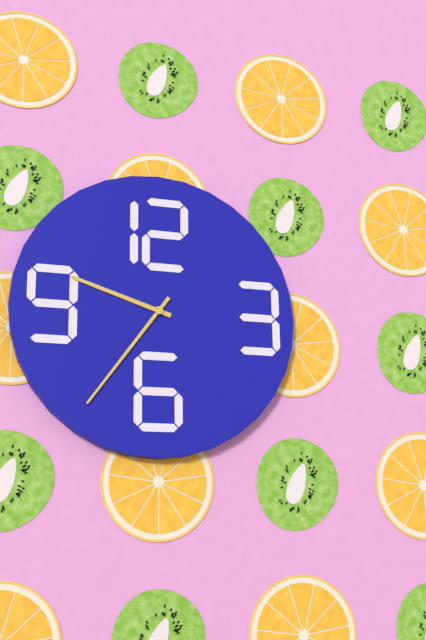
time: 9:36
